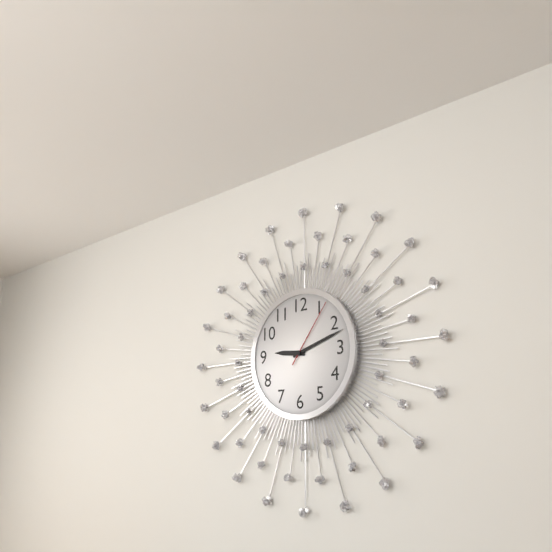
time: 9:12:06
